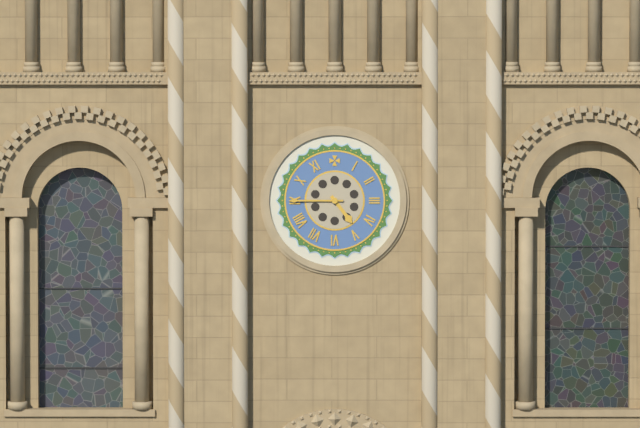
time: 4:45
